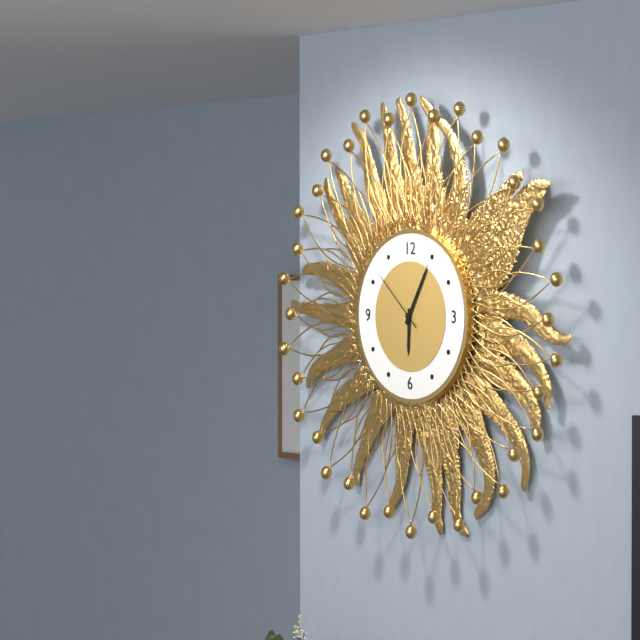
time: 6:05:52
